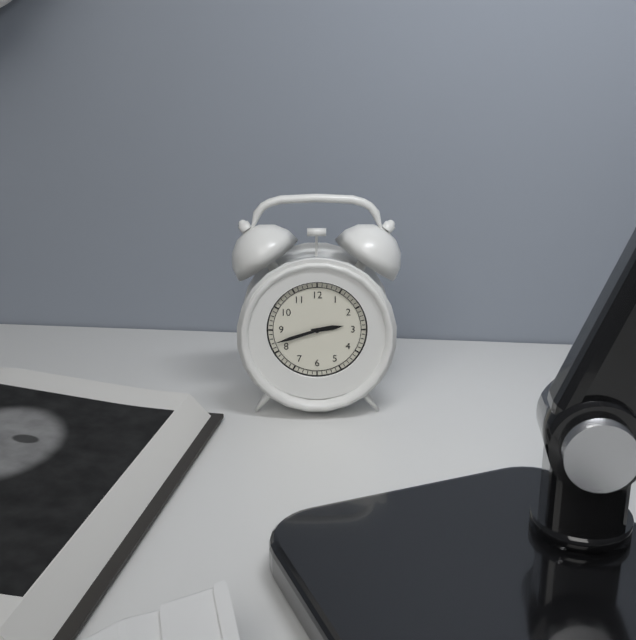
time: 2:42
